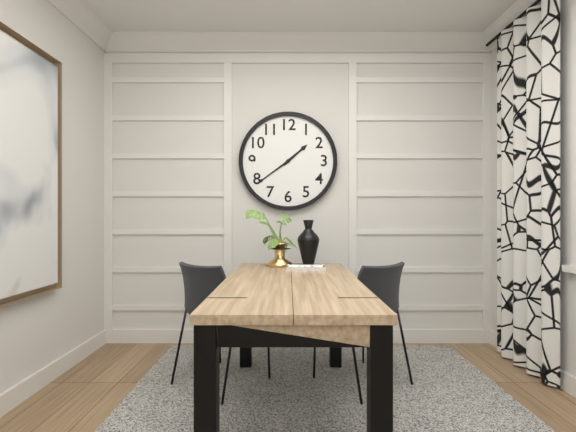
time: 1:39
